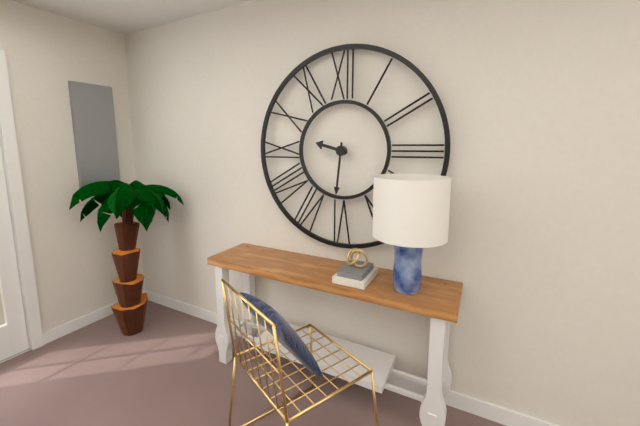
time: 9:31
